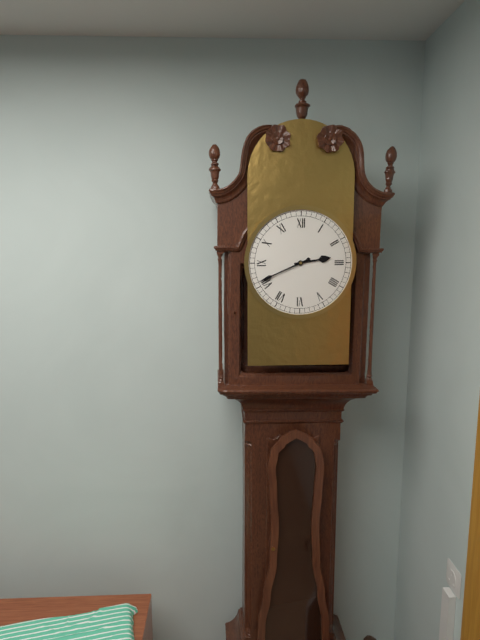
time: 2:41
